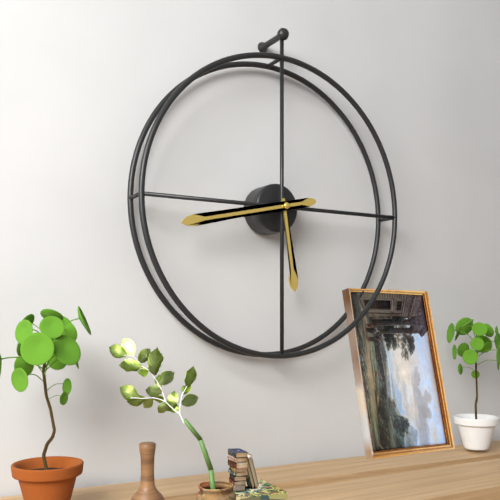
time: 5:43
